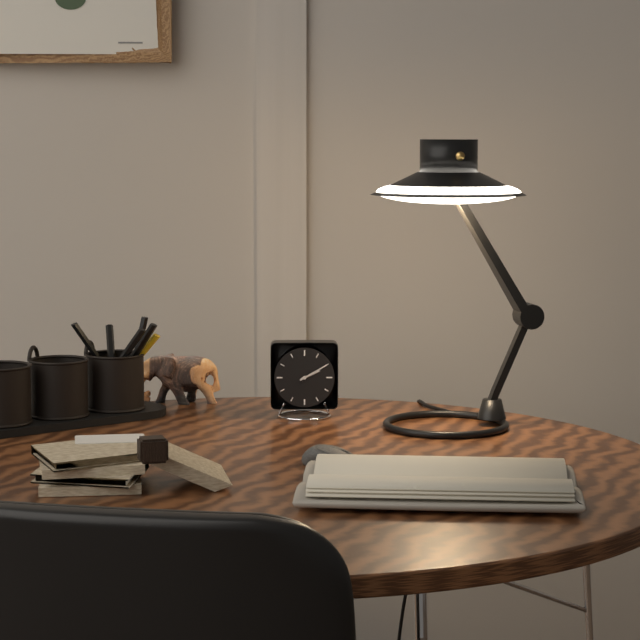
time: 2:10
